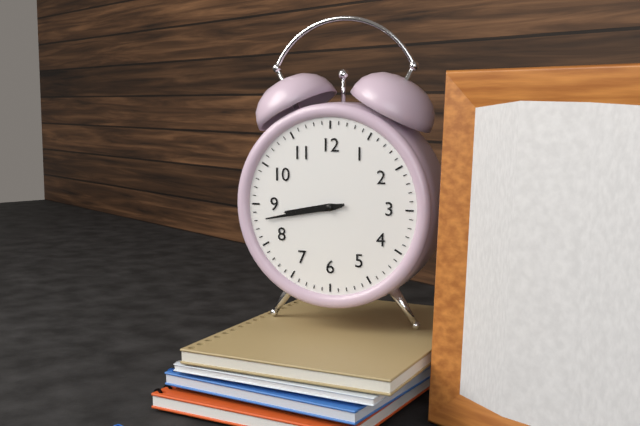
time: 8:43
